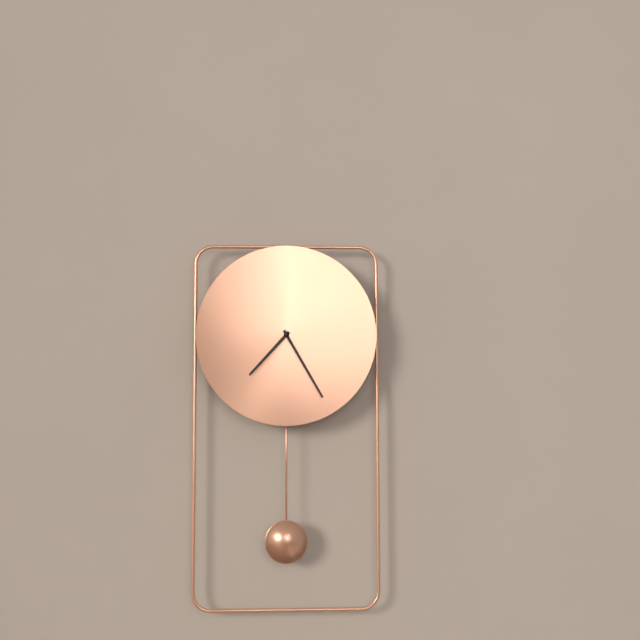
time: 7:25
